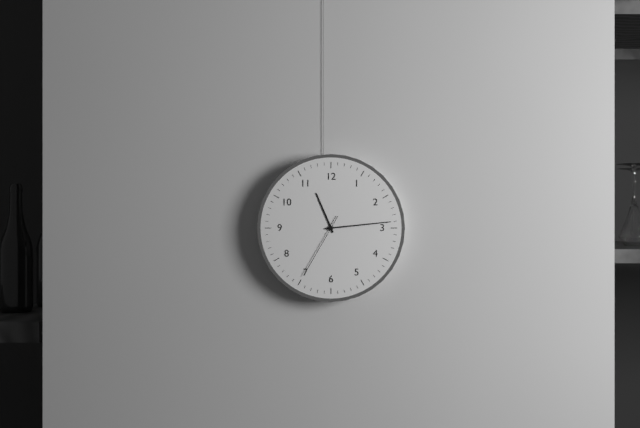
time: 11:14:35
